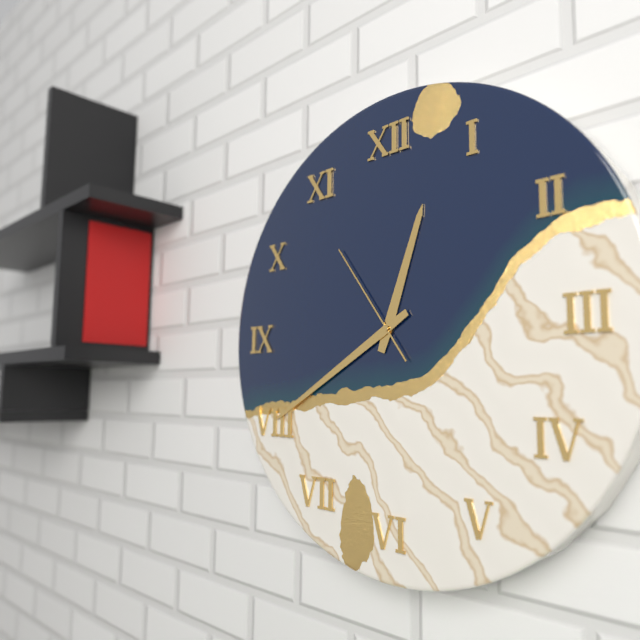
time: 12:40:54
